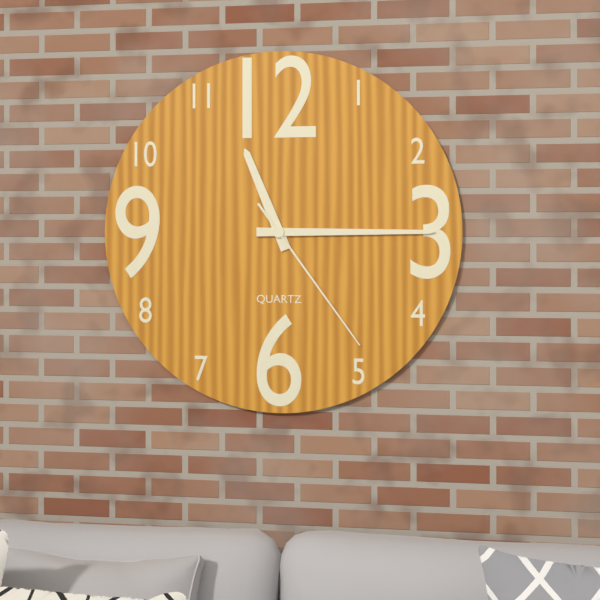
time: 11:15:24
